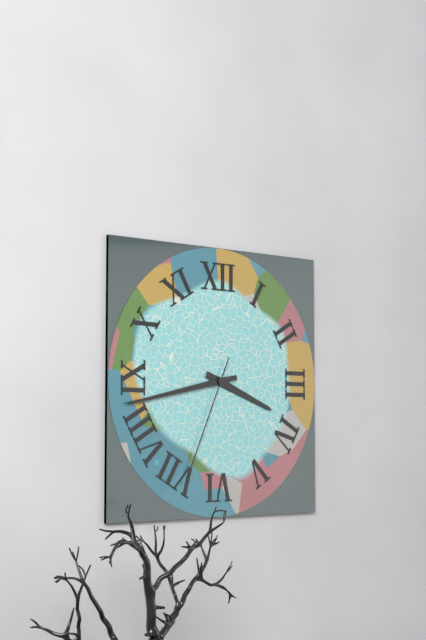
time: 3:43:34
